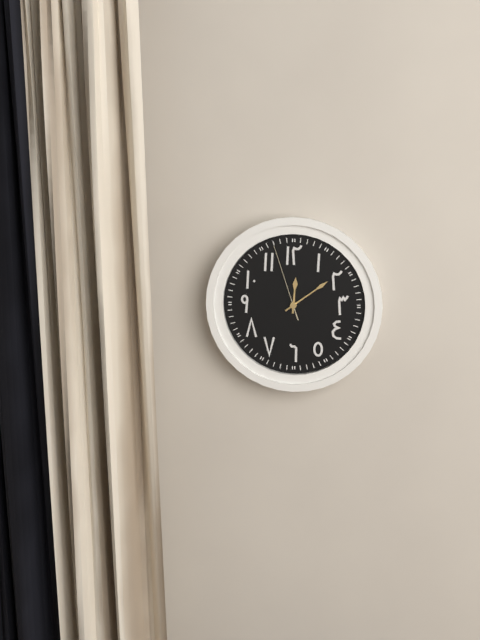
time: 12:09:57
